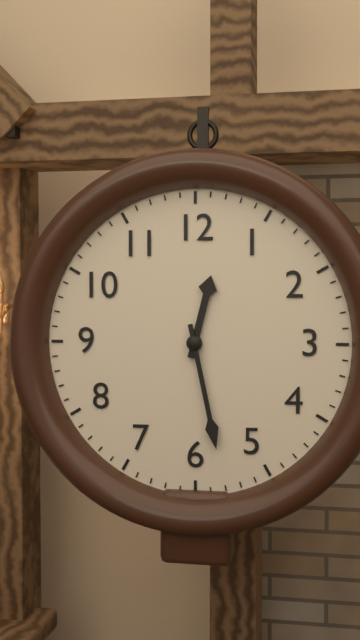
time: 12:28
